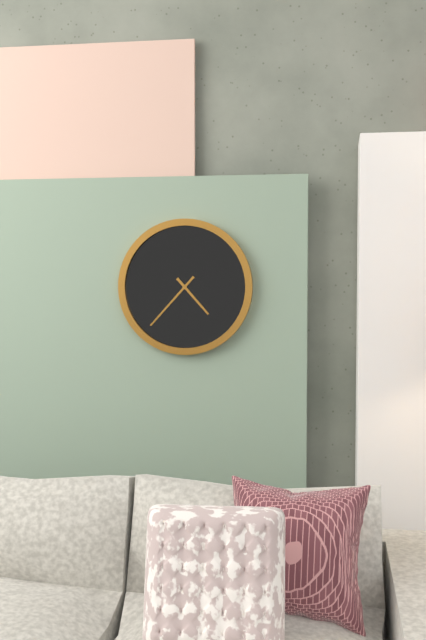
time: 4:37
